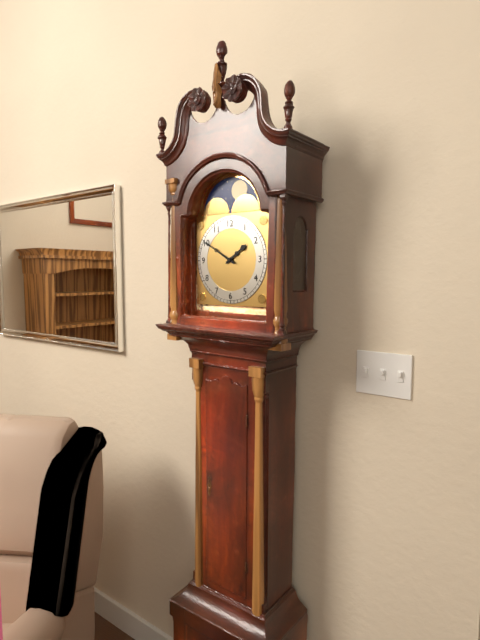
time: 1:50
